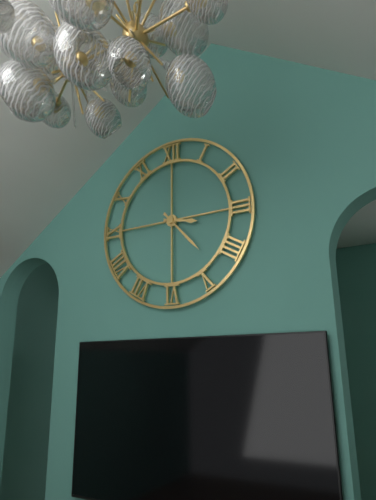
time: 3:23
